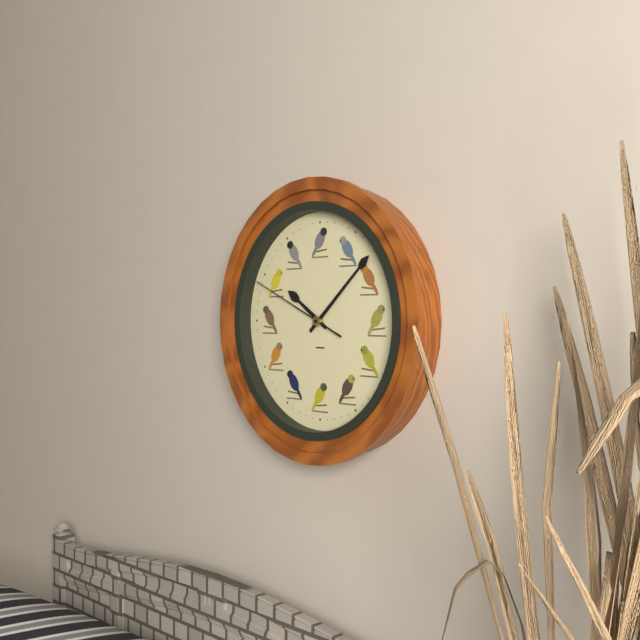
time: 10:08:49
